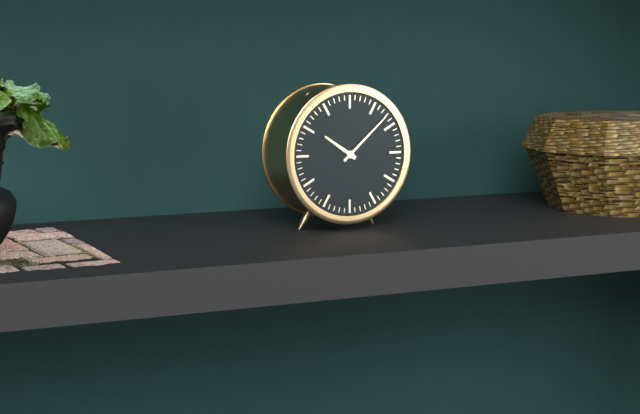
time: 10:08
